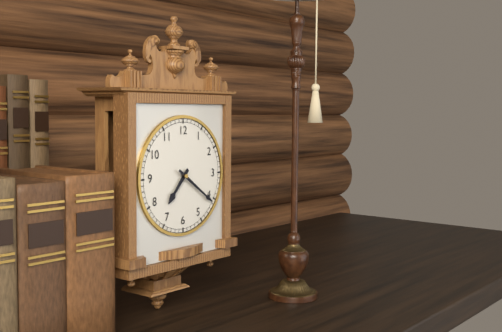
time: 7:21
